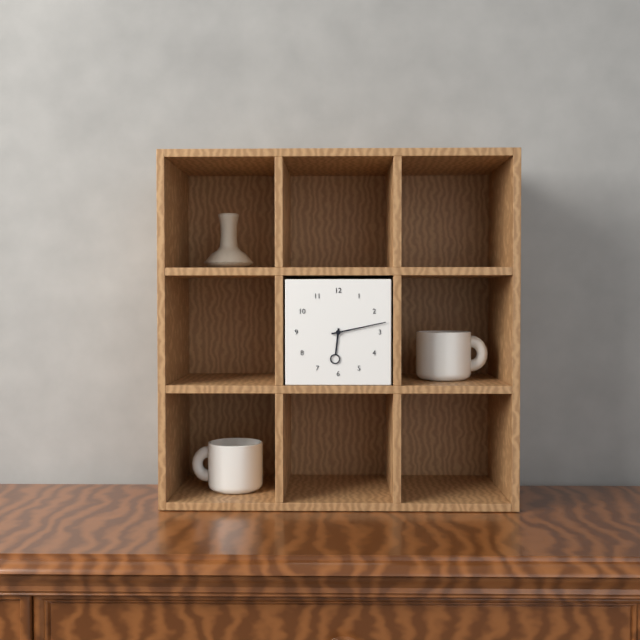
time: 6:13
